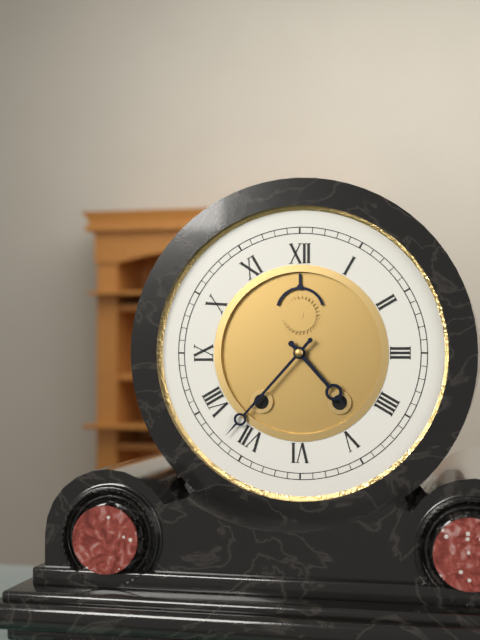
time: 4:37
